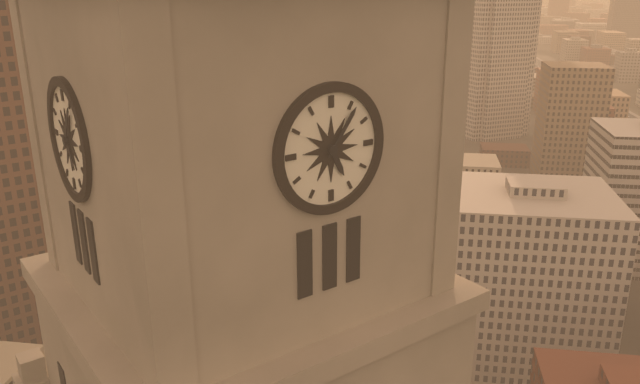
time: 5:06
